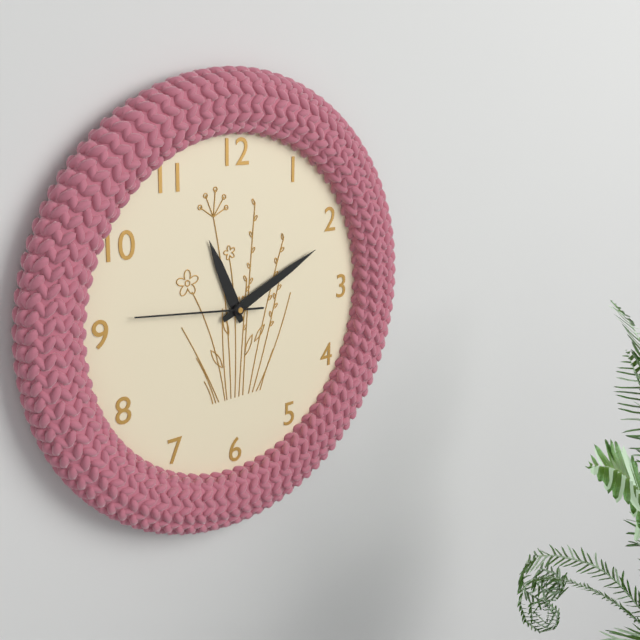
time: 11:11:46
